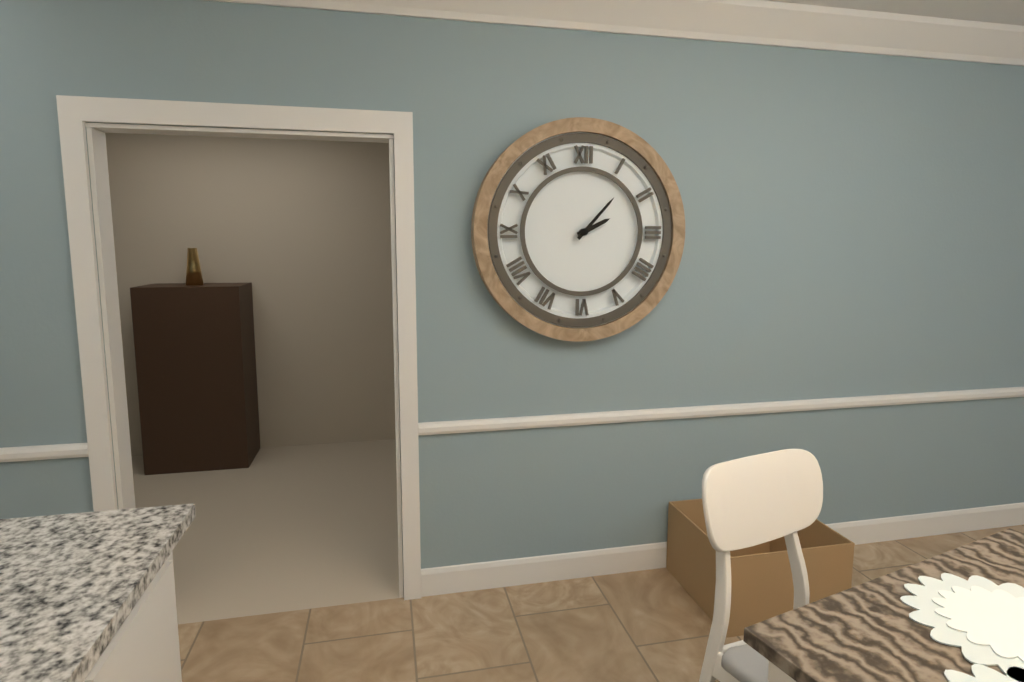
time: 2:07
